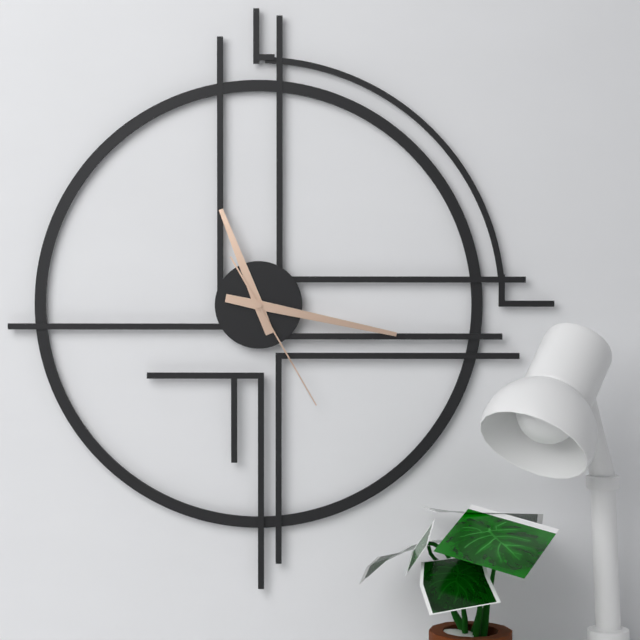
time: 11:17:25
